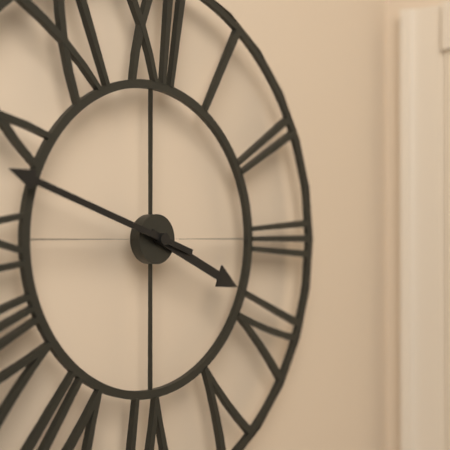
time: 3:48
